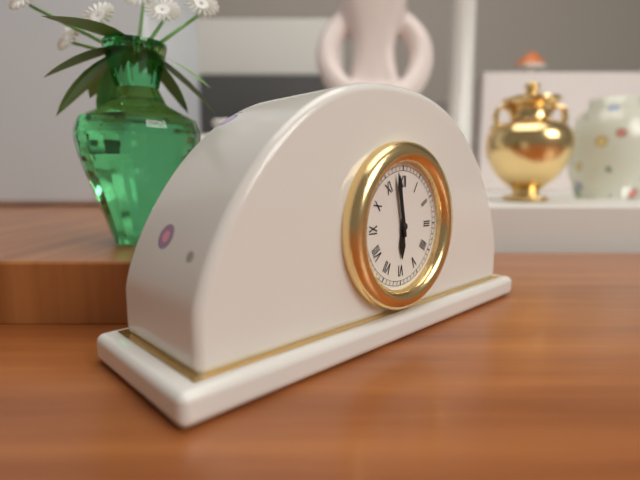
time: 5:58
